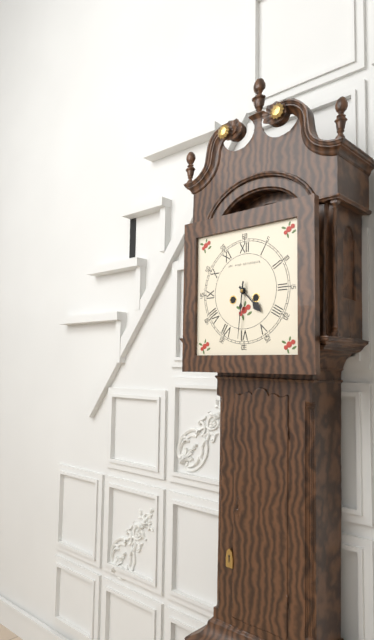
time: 4:31
